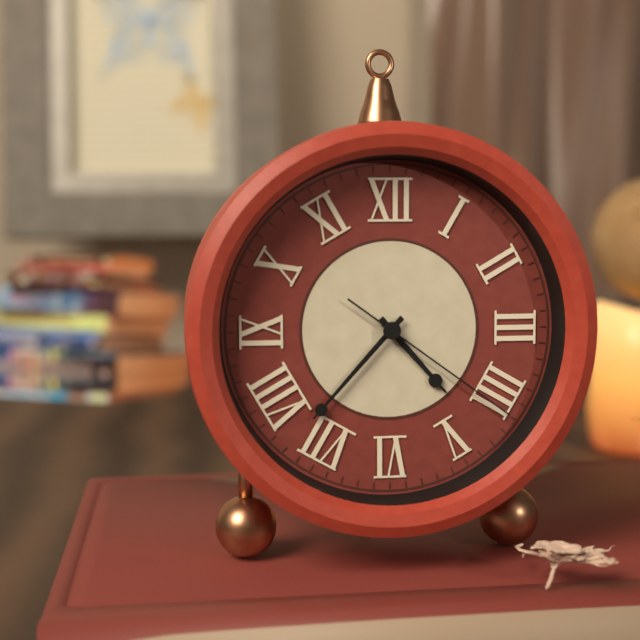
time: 4:37:21
